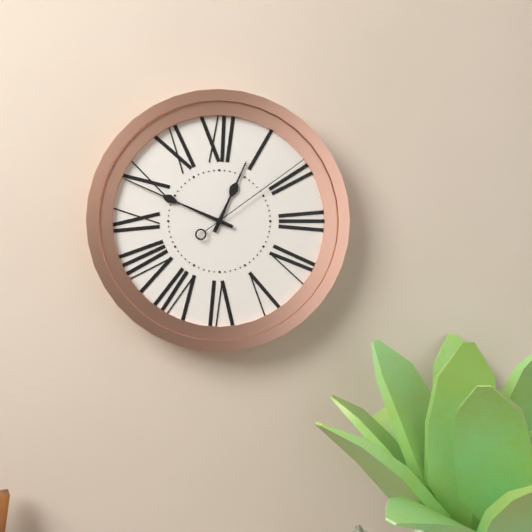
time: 12:49:09
